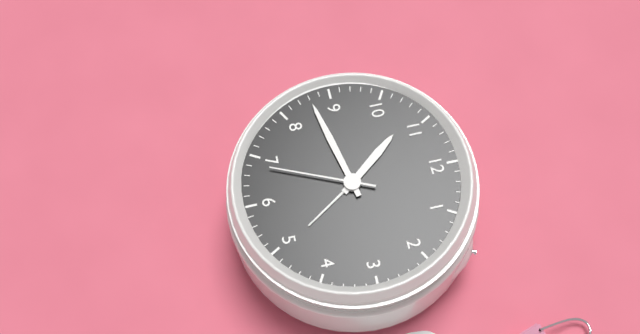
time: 10:43:34
